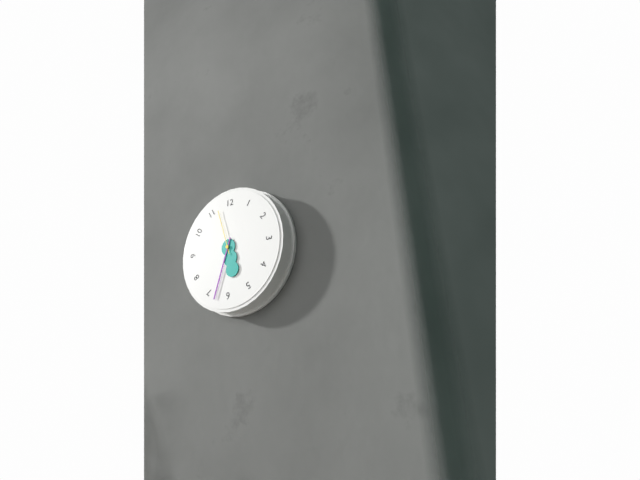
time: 5:33:57
